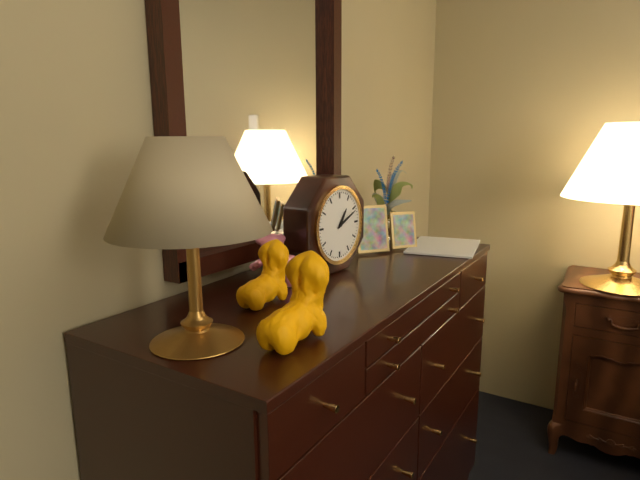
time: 1:11
